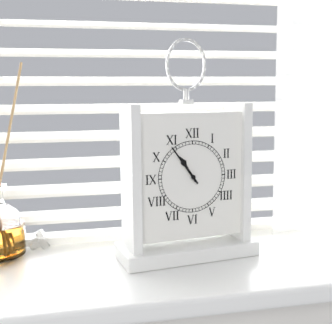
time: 10:54
